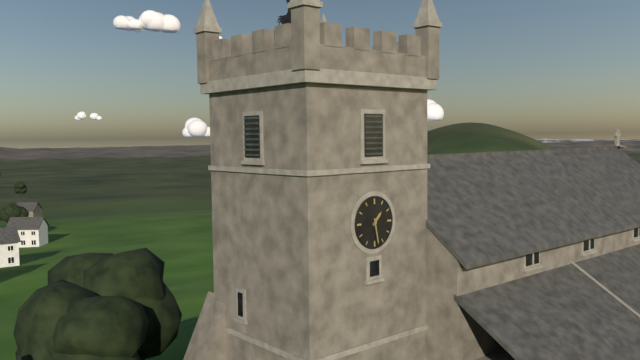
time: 1:28
